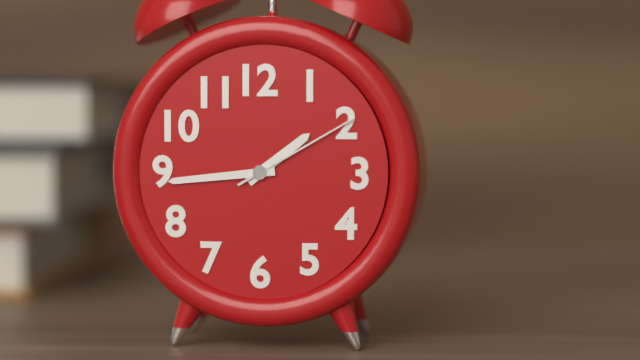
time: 1:44:10
